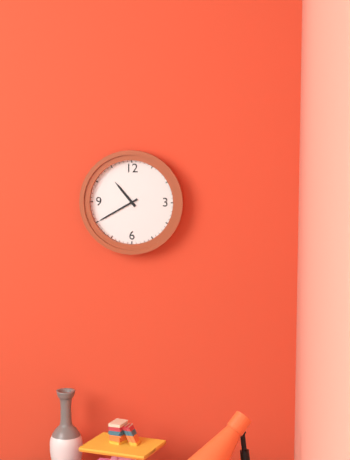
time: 10:40
